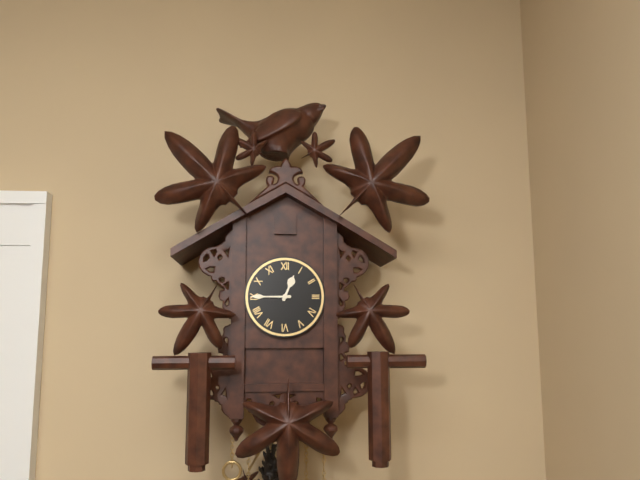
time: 12:45
